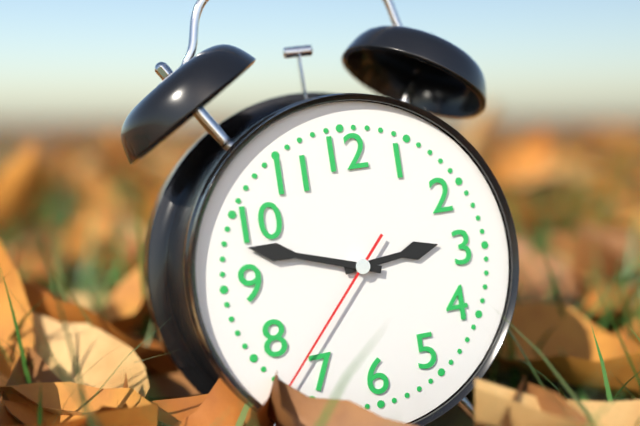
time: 2:48:37
